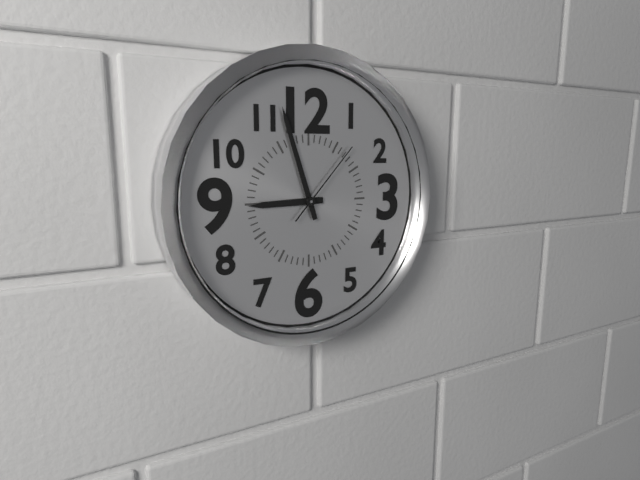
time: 8:57:07
